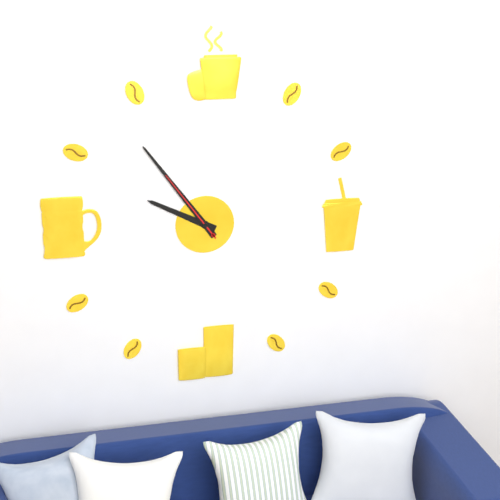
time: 9:54:54
